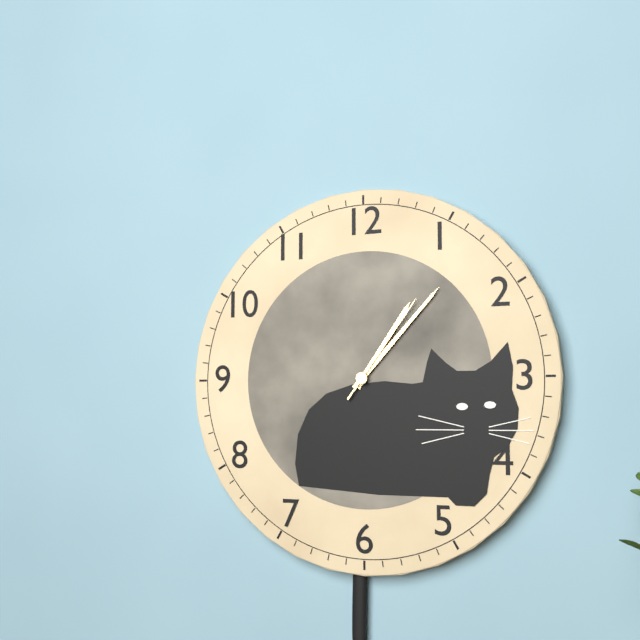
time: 1:07:06
